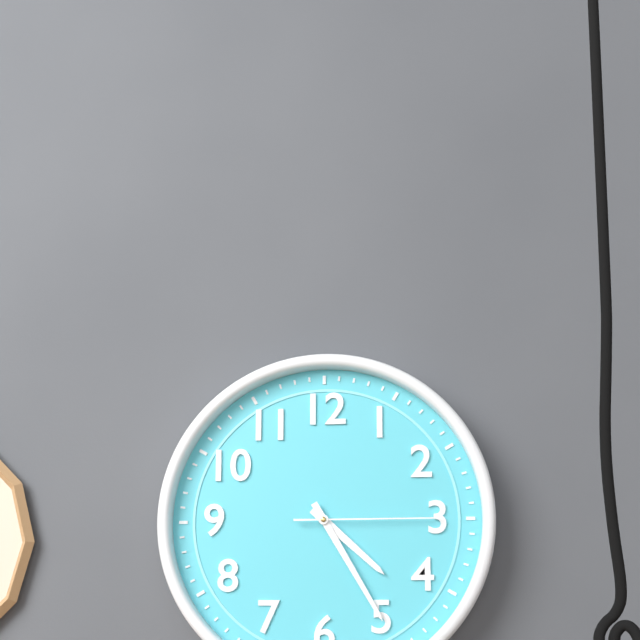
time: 4:25:15
